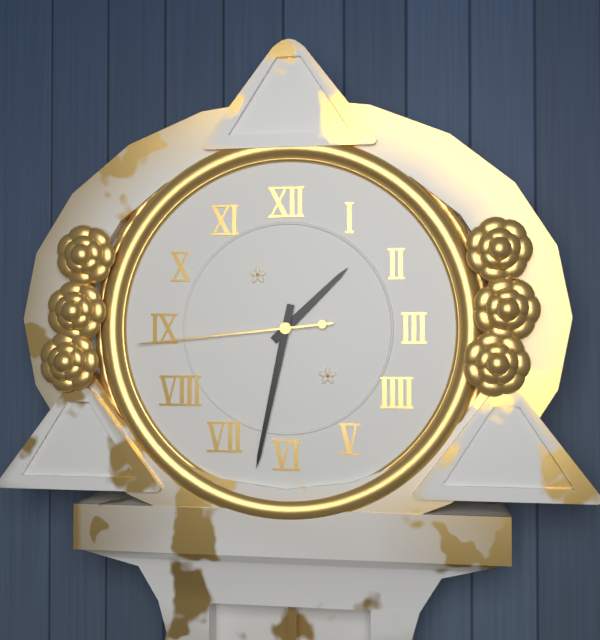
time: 1:32:44
